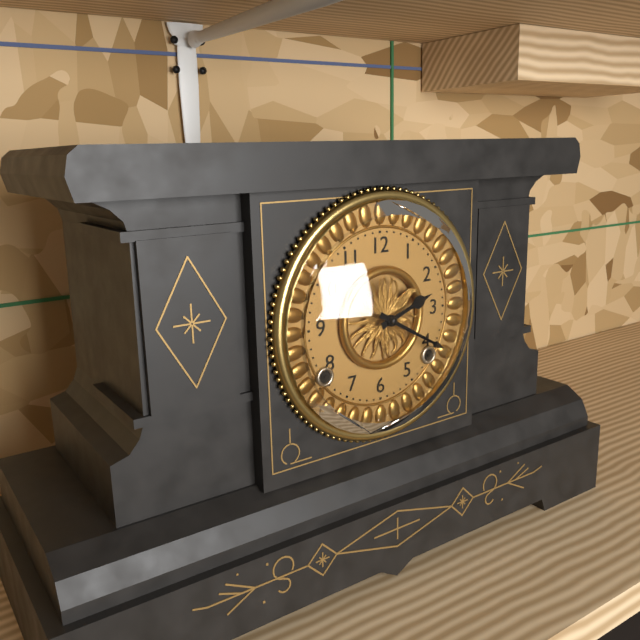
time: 2:20
